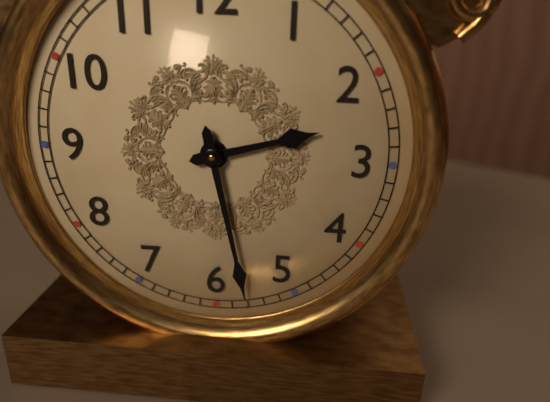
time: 2:28
